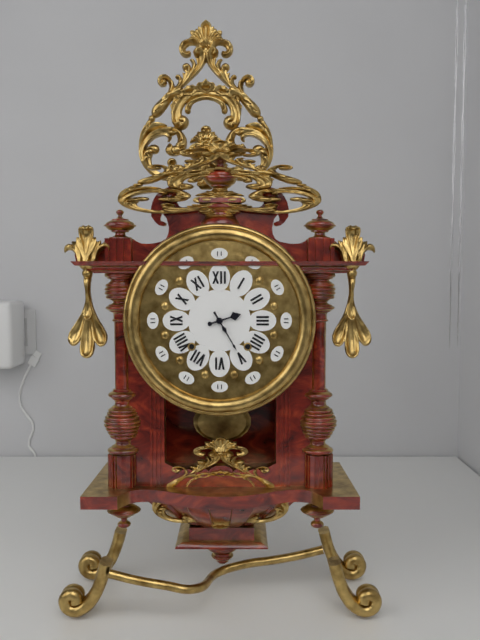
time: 2:25
